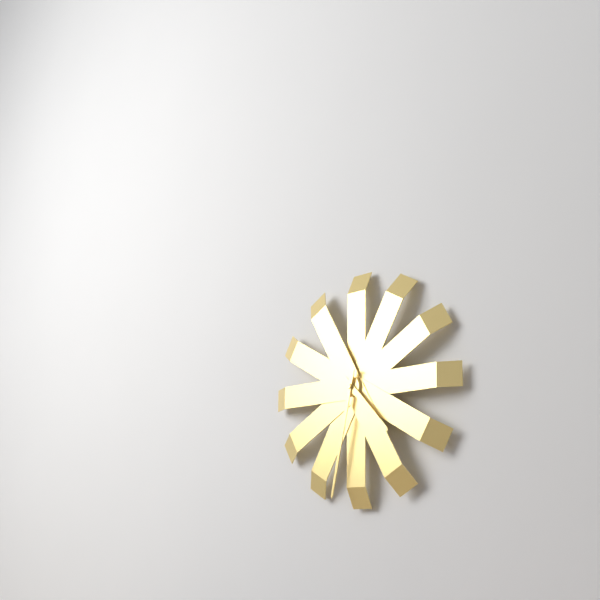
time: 4:32
